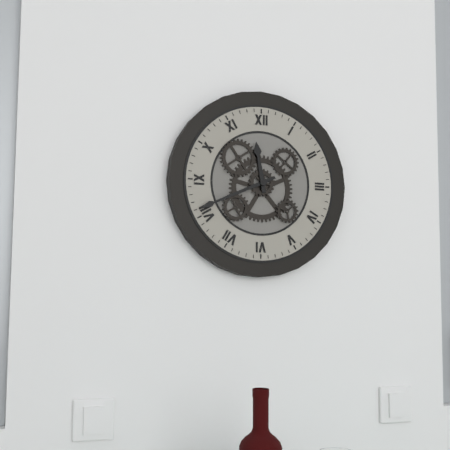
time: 11:41
